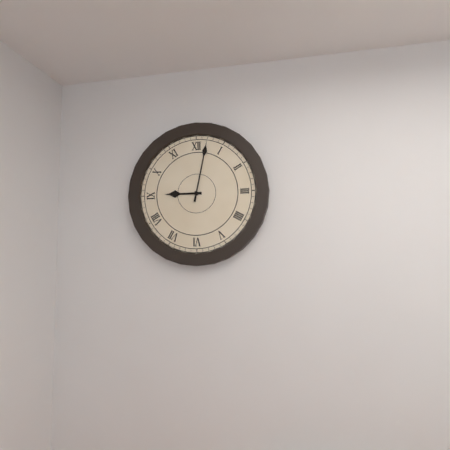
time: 9:02
